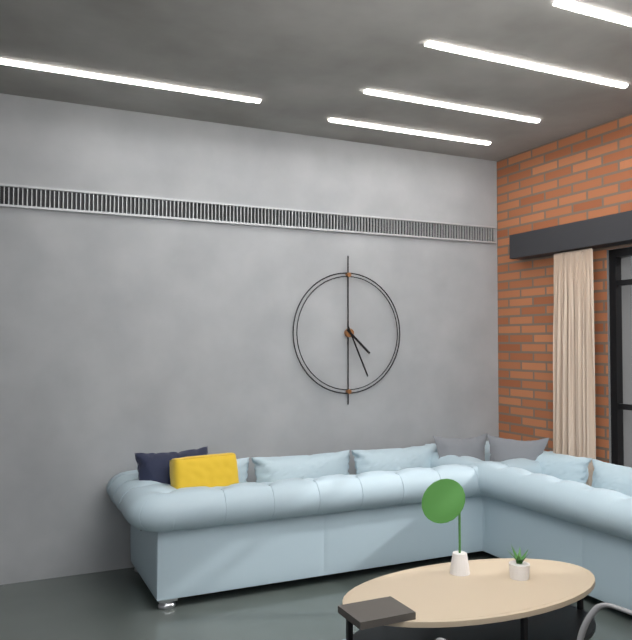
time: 4:26
